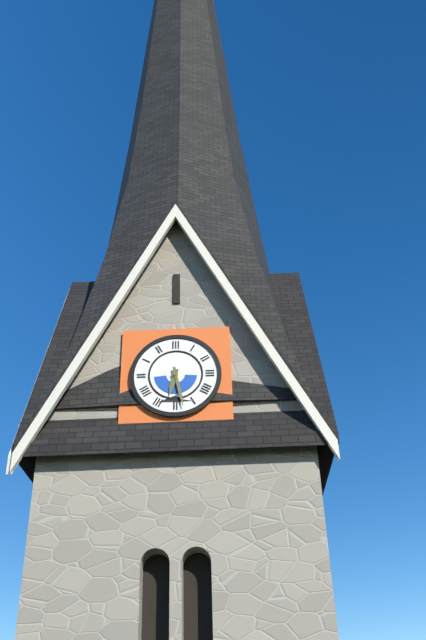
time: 6:28
